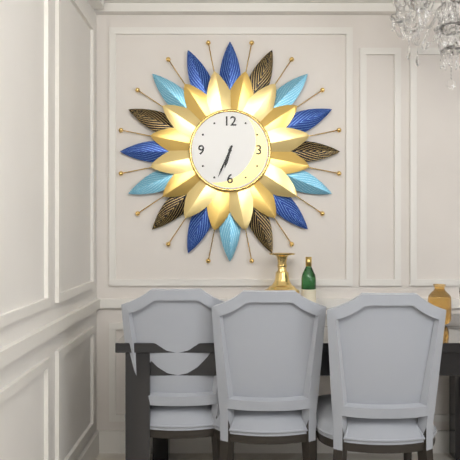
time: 6:34
